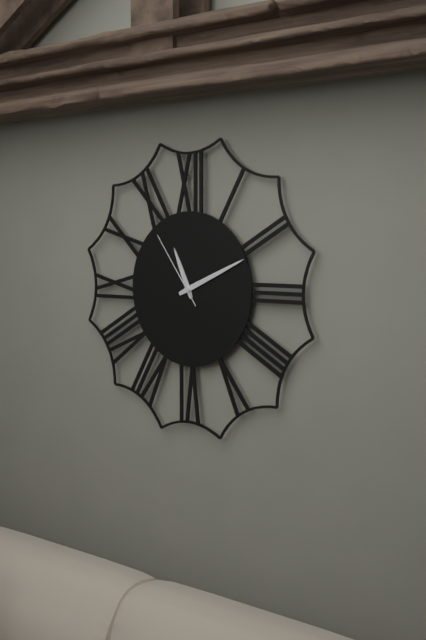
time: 11:11:54
